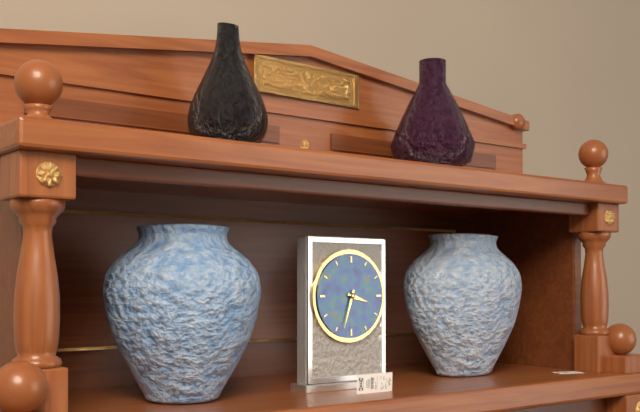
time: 3:33
